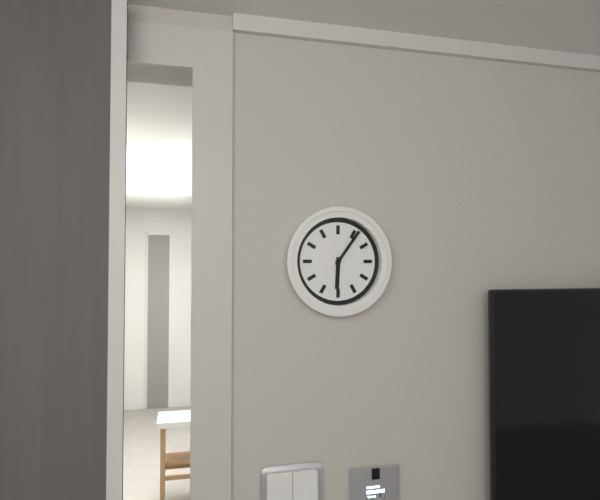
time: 6:06
